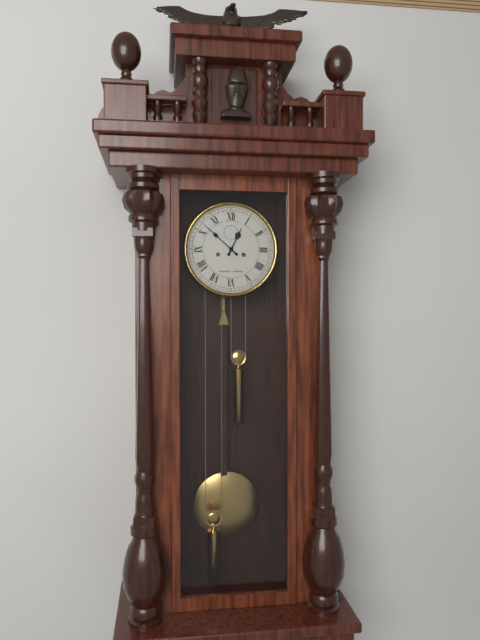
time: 12:52
